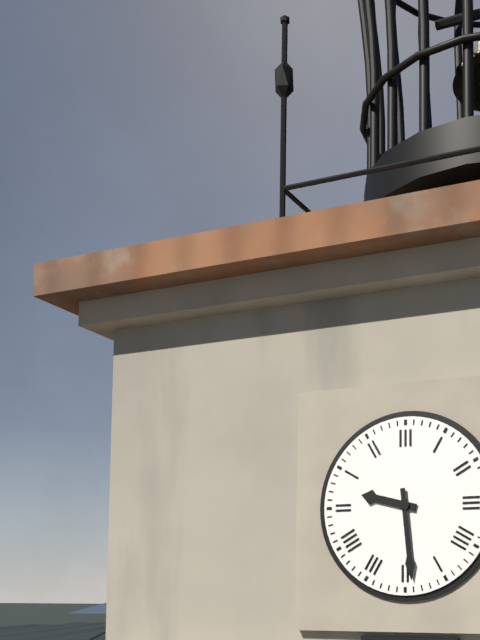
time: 9:29
